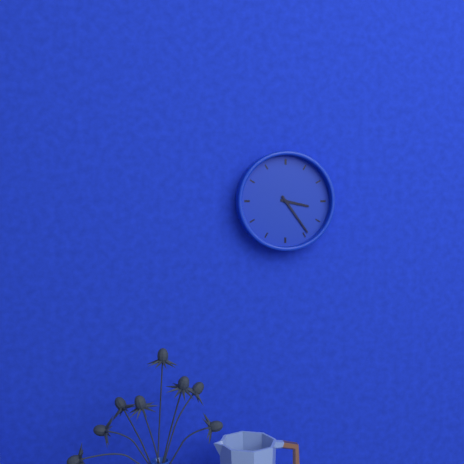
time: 3:24
